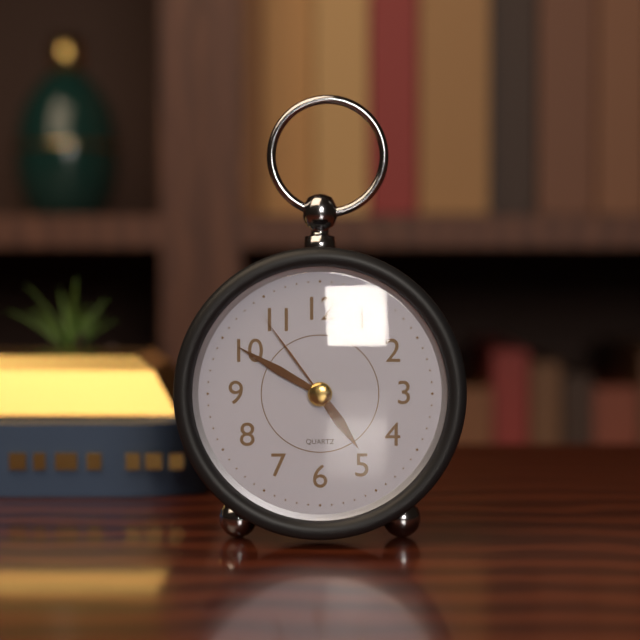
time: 4:50:54
